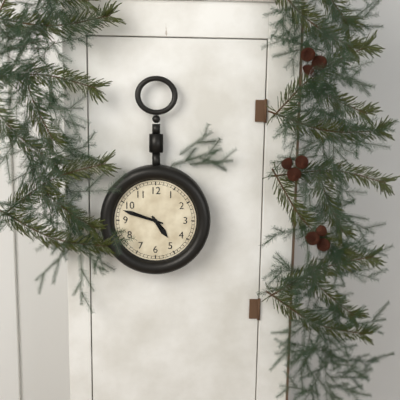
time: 4:48
